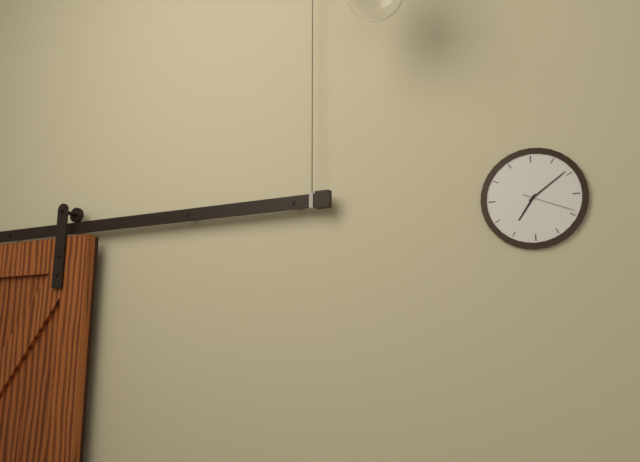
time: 7:09:19
